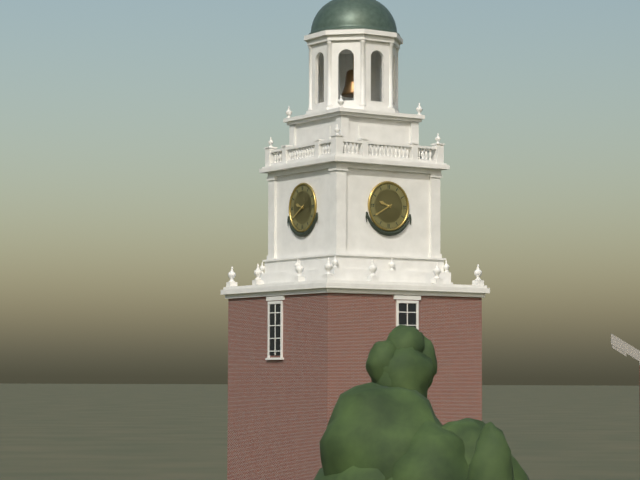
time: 9:40
